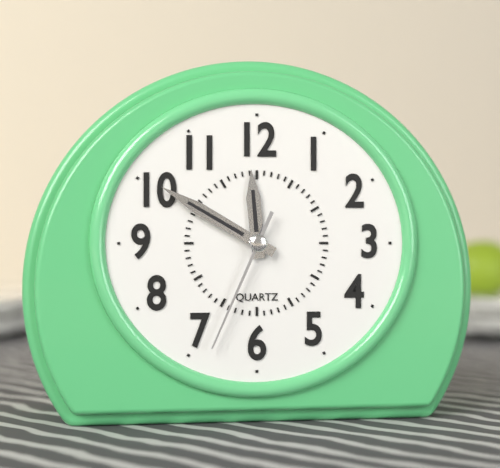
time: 11:50:34
